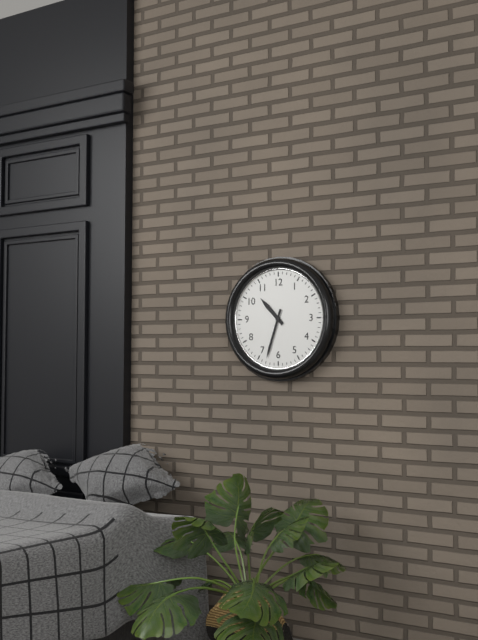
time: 10:33
